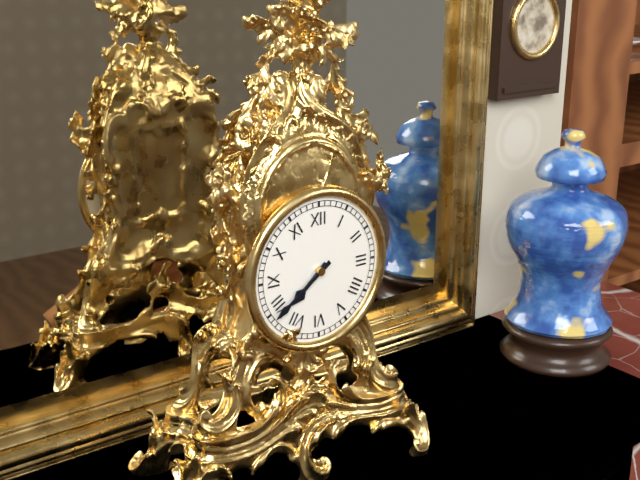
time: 7:39
